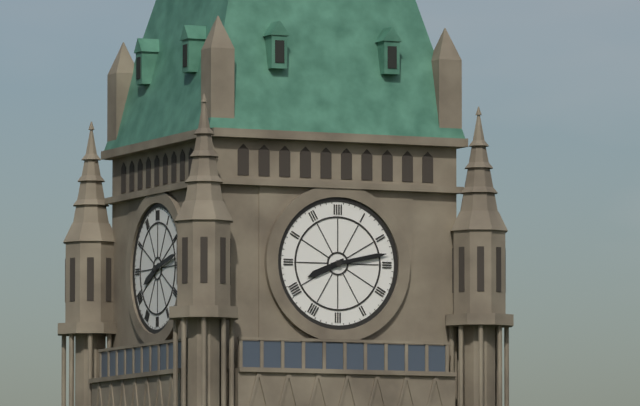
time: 8:13
